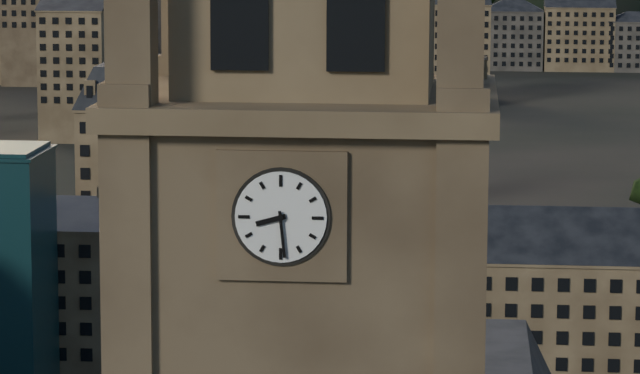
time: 8:29
